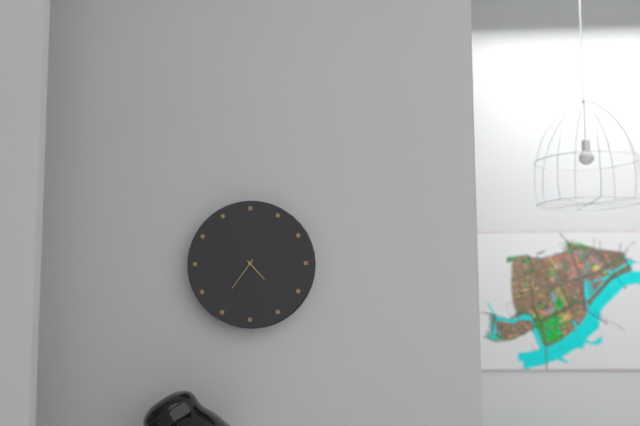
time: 4:36
